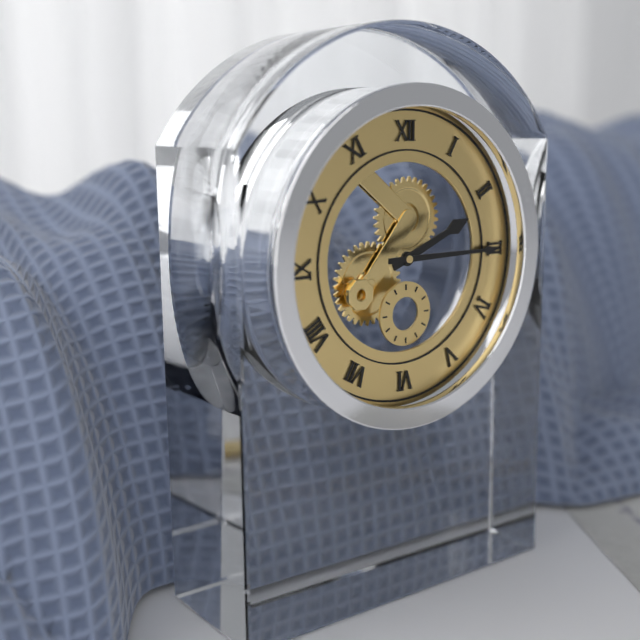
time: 2:15
